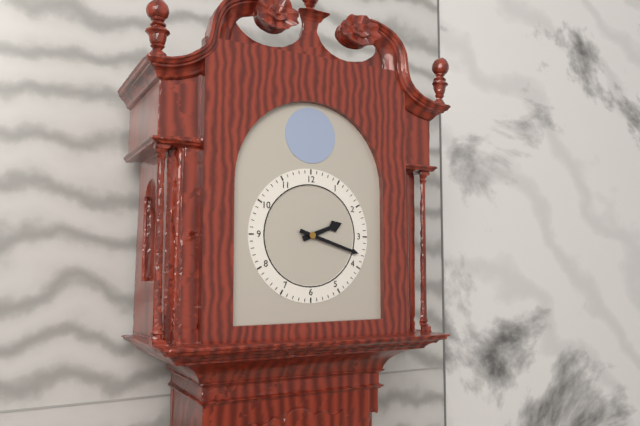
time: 2:18
